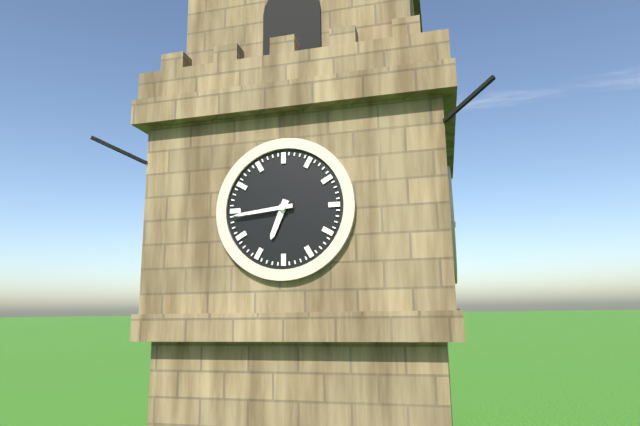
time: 6:44
